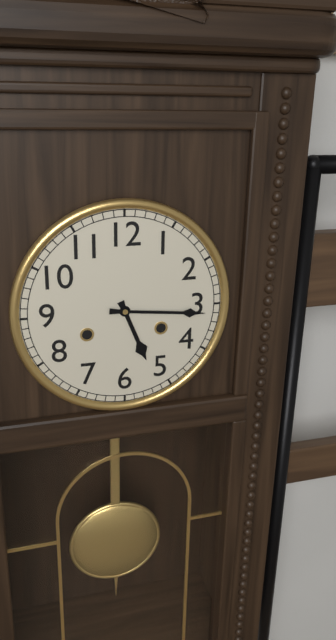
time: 5:16
